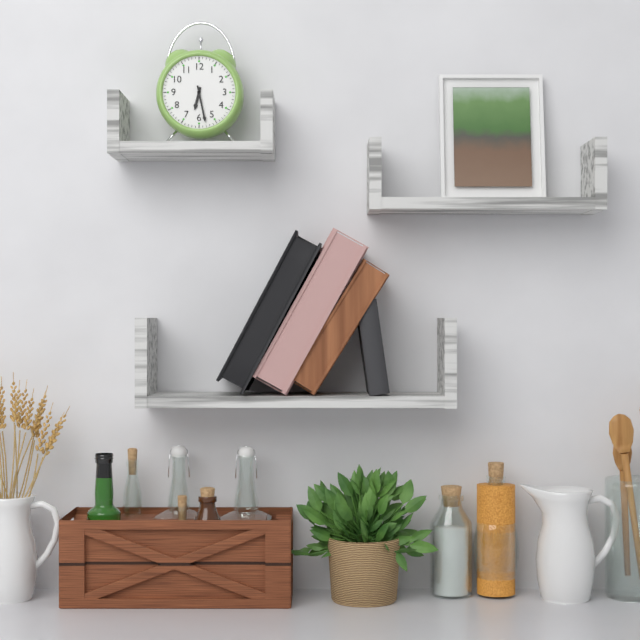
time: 6:28
